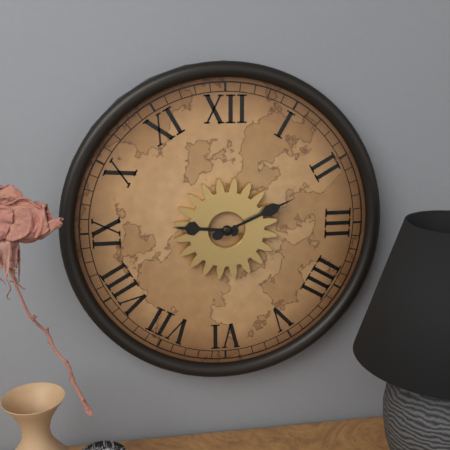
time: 9:11
